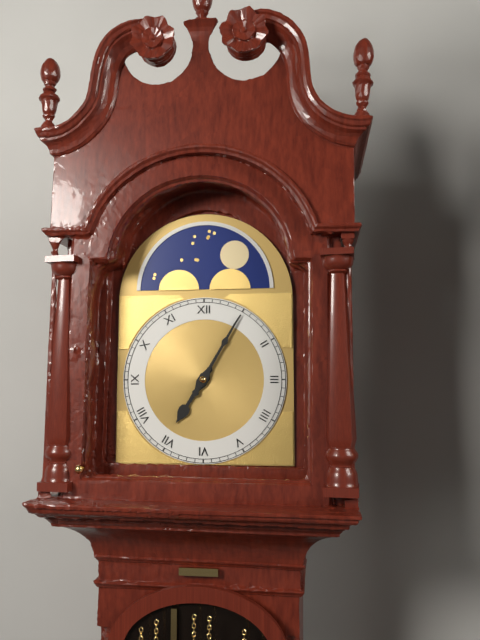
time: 7:05
